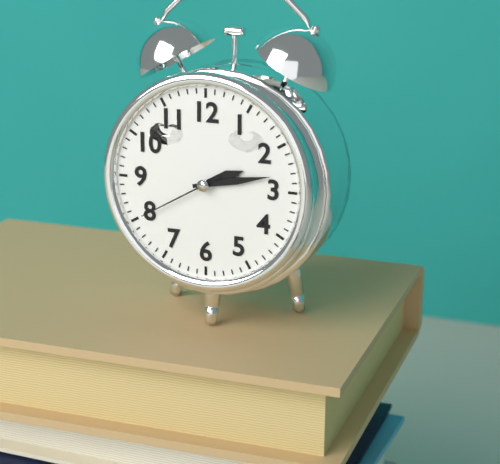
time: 2:13:40
